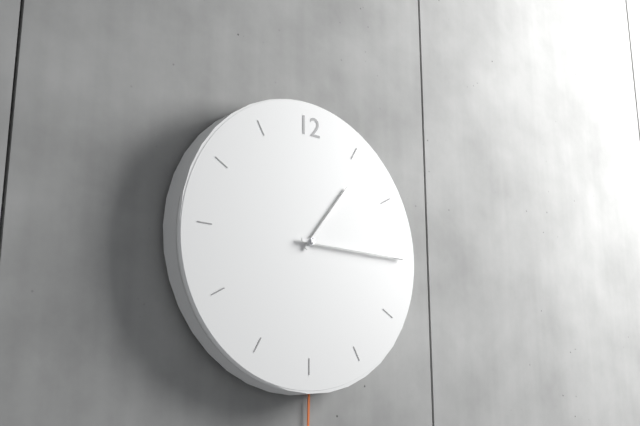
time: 1:15
